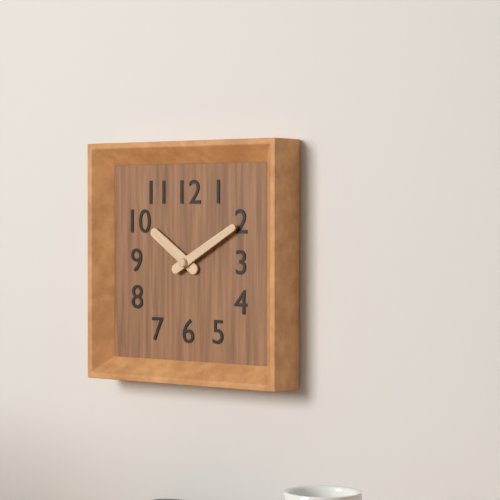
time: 10:10
